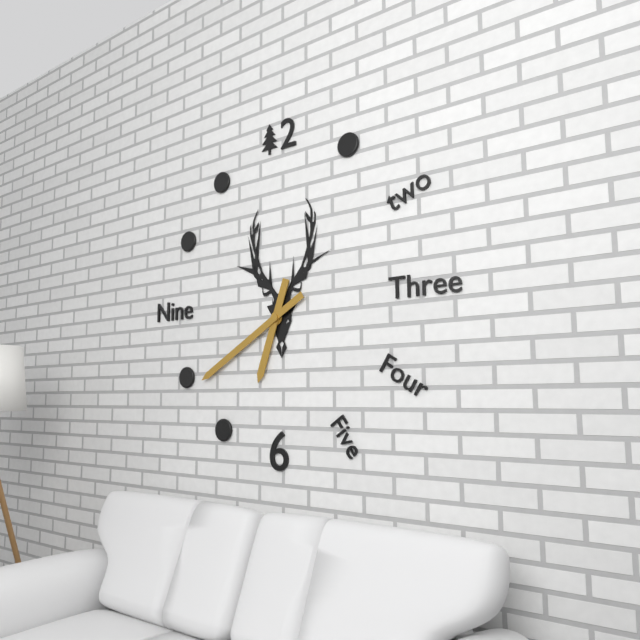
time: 6:40
